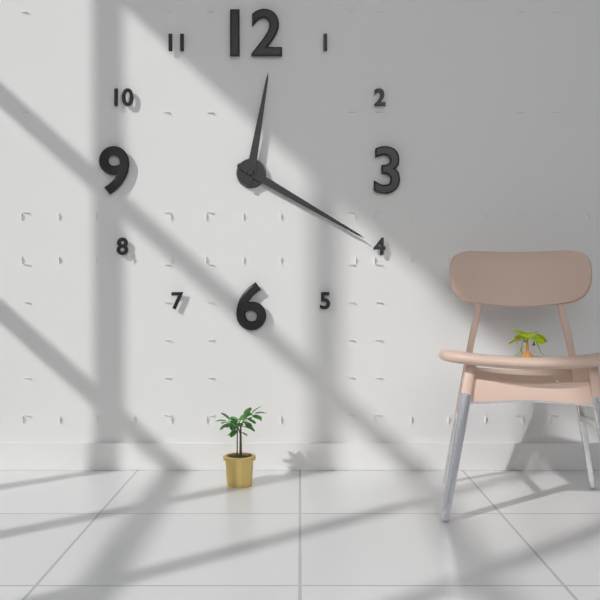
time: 12:20
